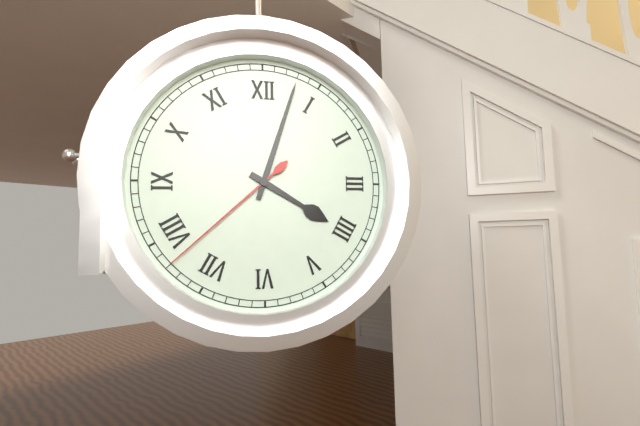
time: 4:03:38
